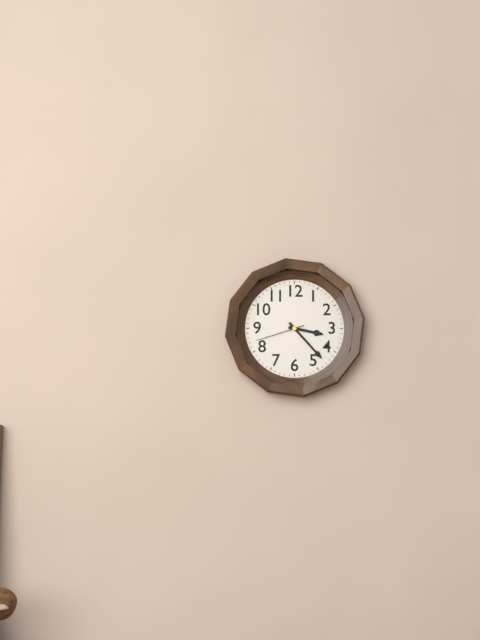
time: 3:23:42
